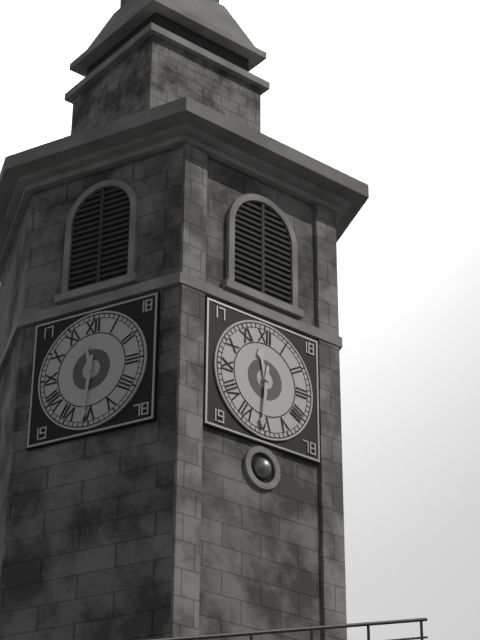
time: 11:31
